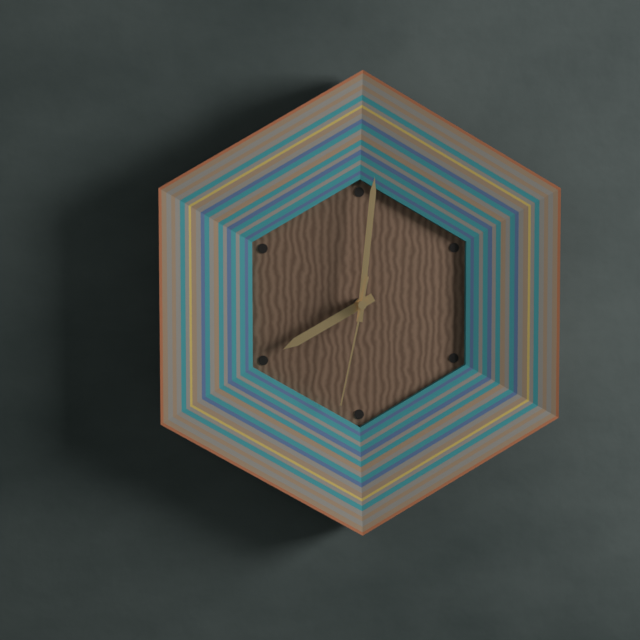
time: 8:01:32
